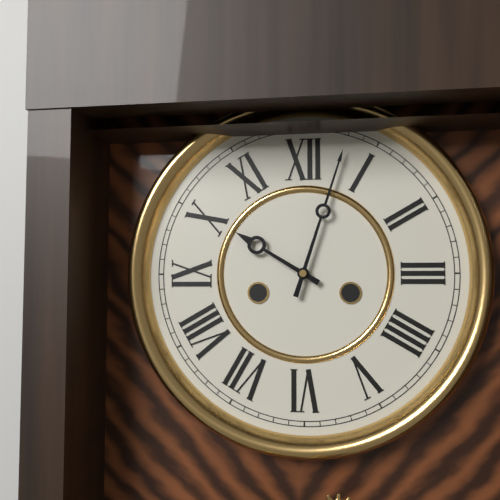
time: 10:03
